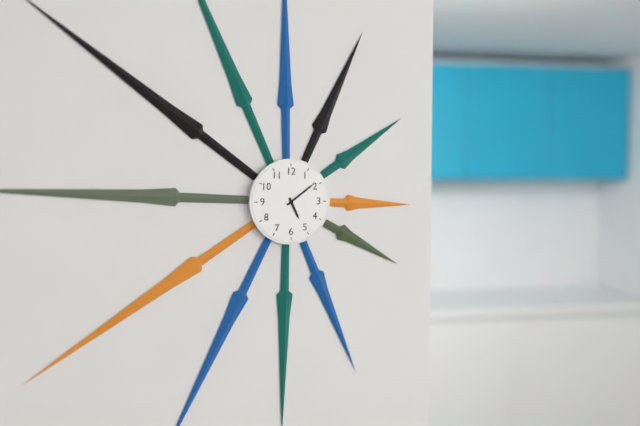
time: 5:09
